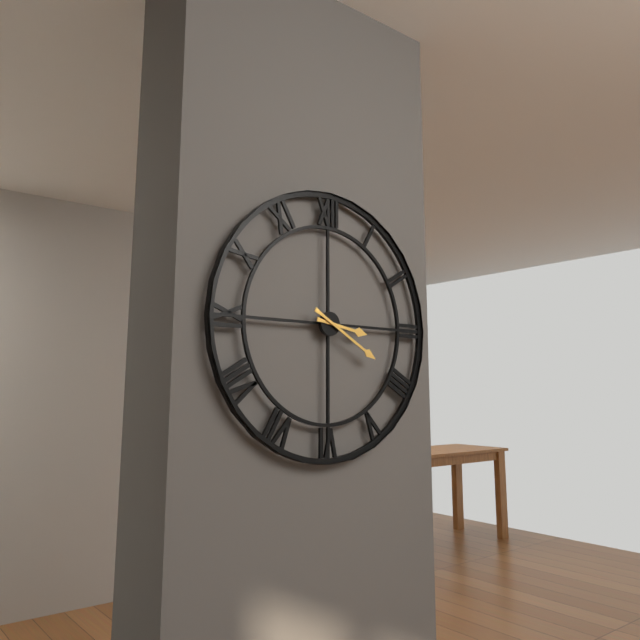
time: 3:20
